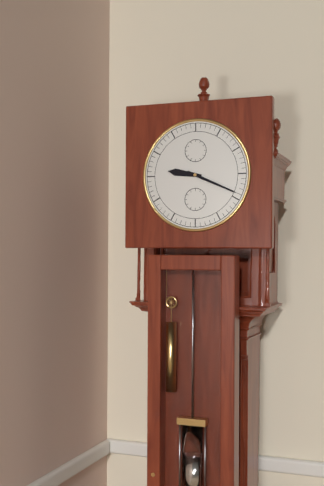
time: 9:19
